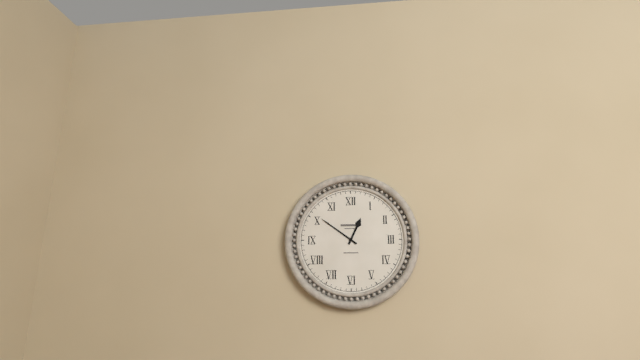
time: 12:51
